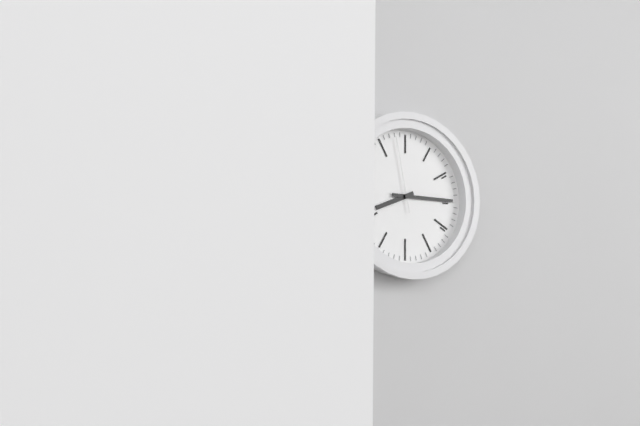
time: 8:15:58
